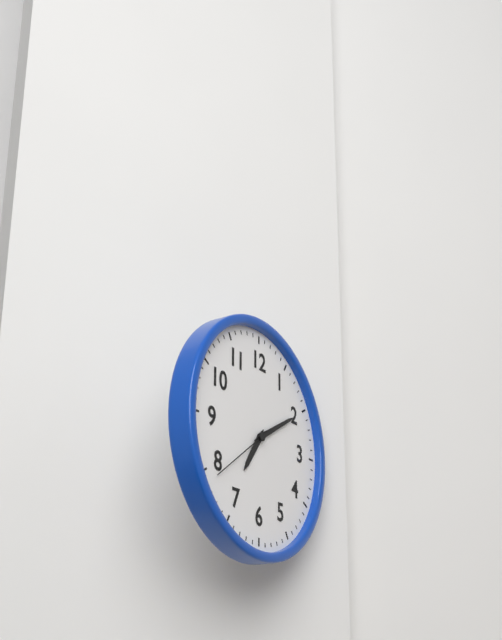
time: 7:10:39
